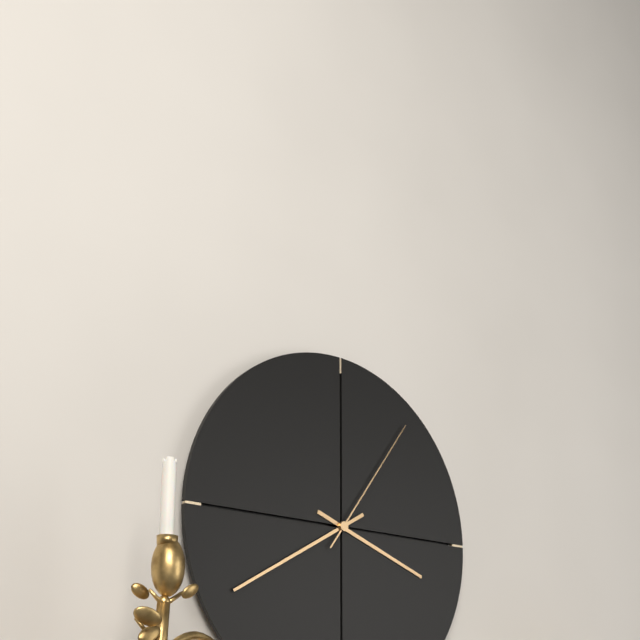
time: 3:40:06
